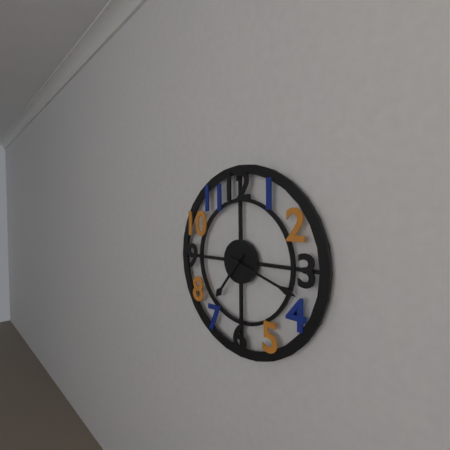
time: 7:18
